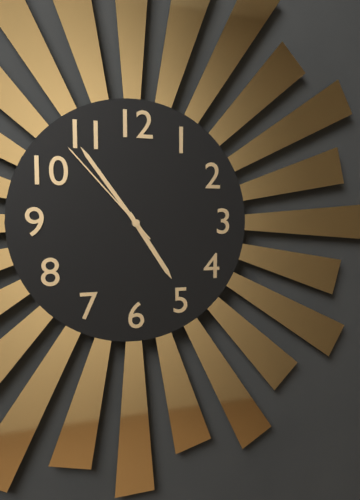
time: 4:54:53
